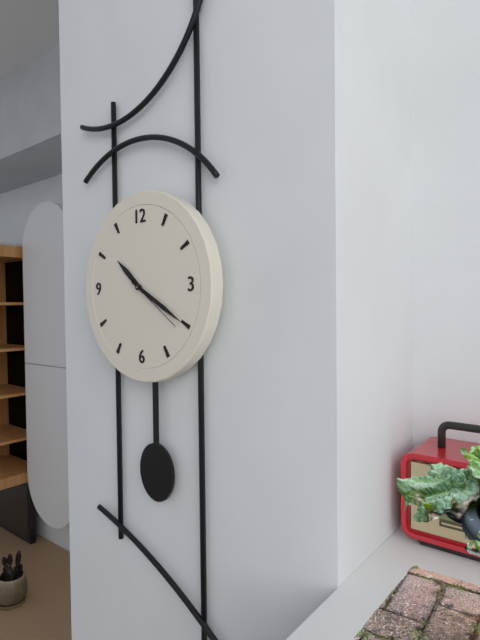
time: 10:20:21
